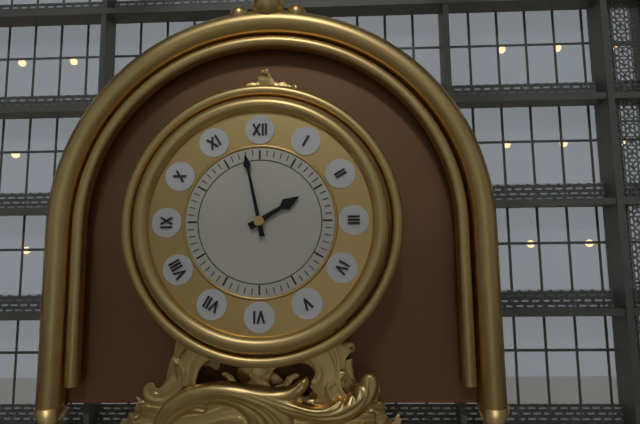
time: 1:58
